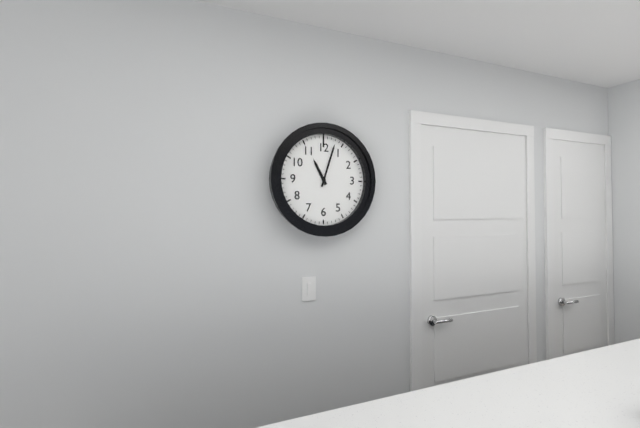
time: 11:03
